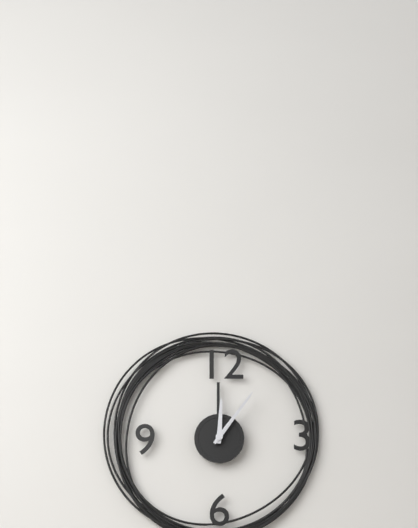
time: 12:06
